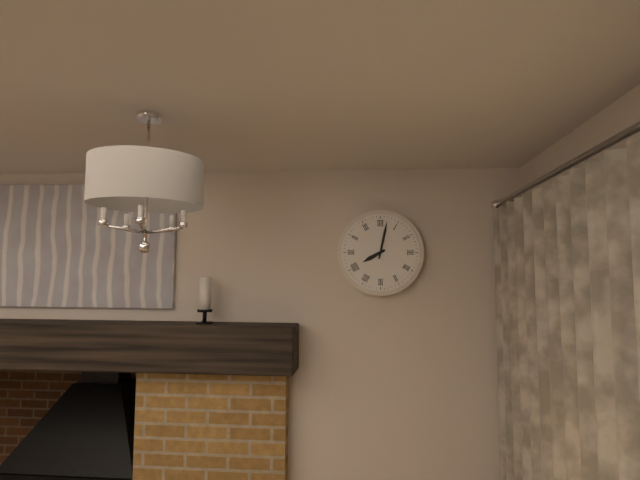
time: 8:02
